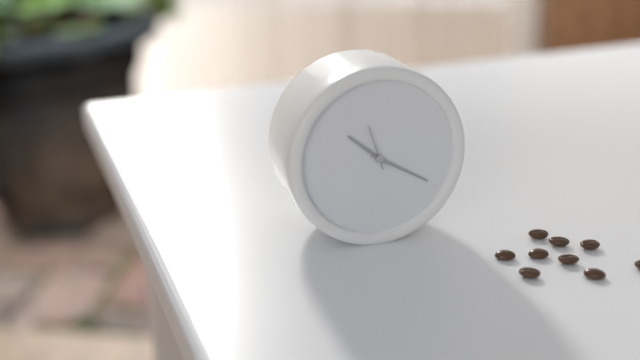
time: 10:20
